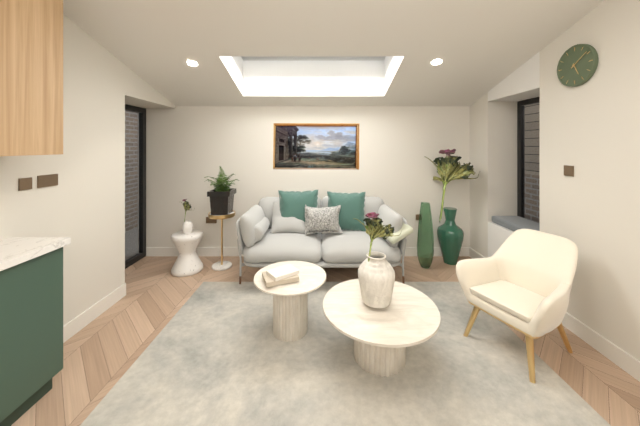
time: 5:09
